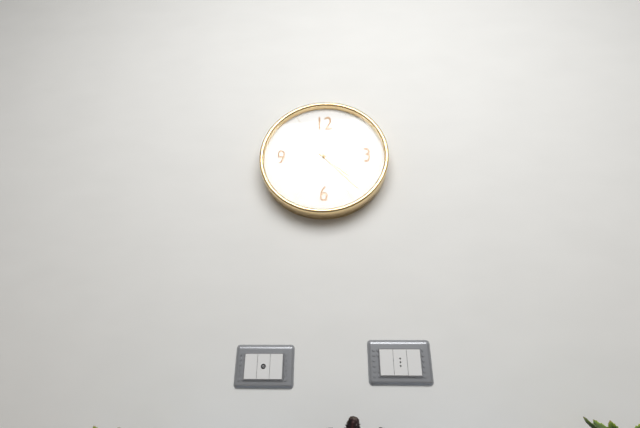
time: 4:23
